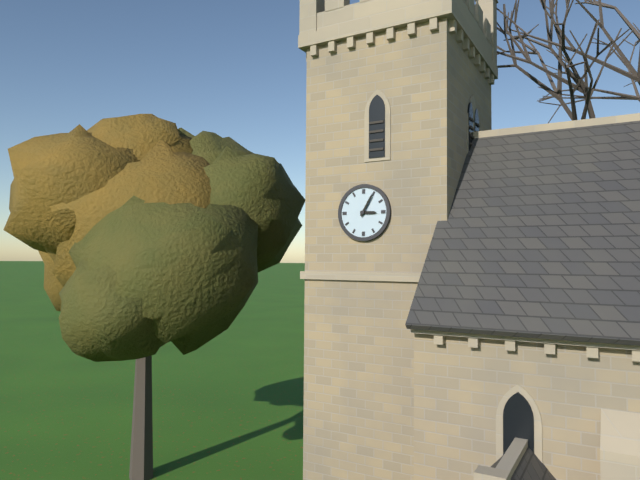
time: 3:05
